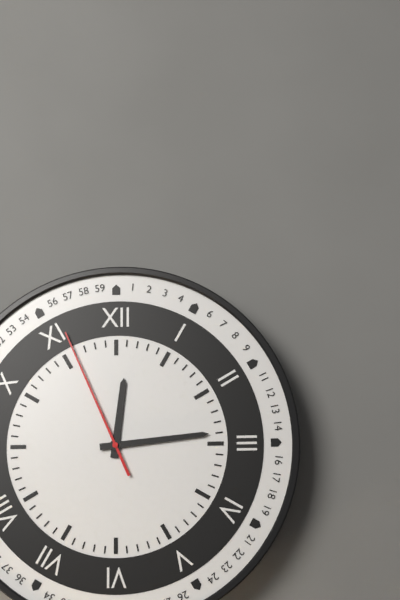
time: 12:14:56
